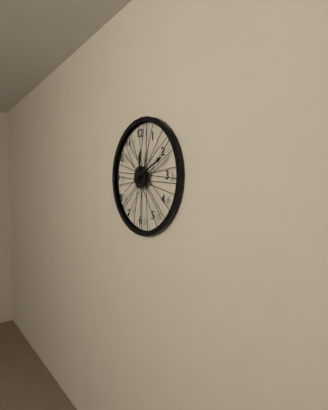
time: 12:11
